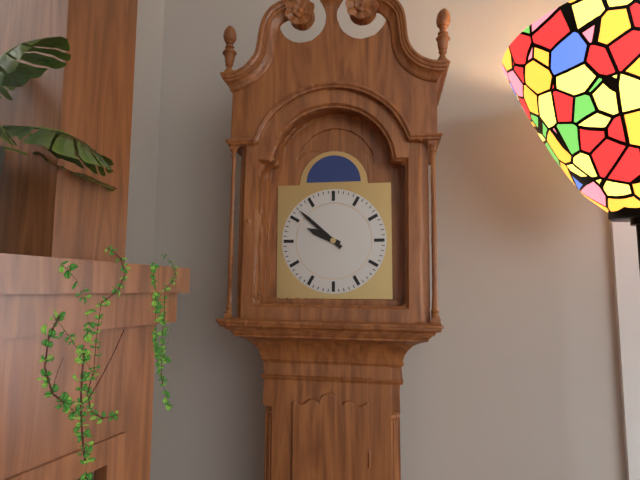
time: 9:52
